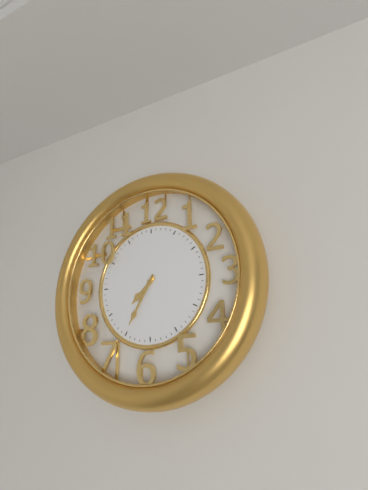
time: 7:35
